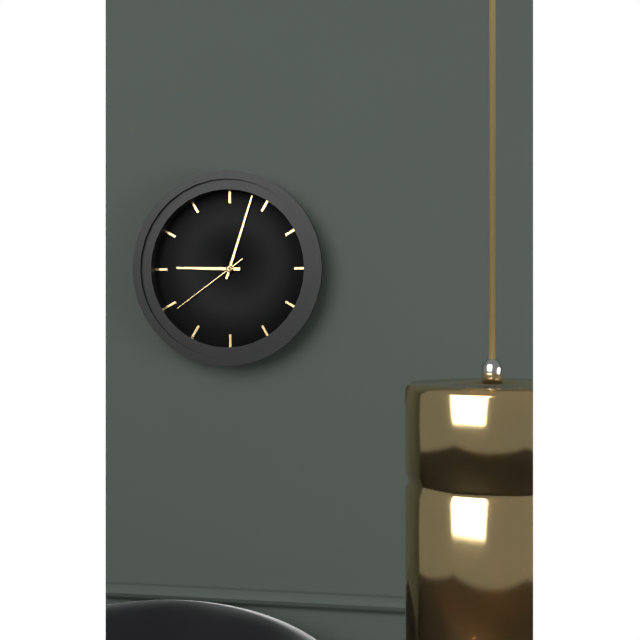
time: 9:03:39
